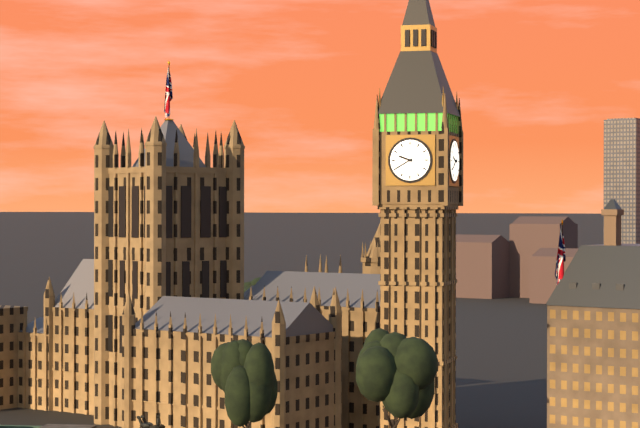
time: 9:40
